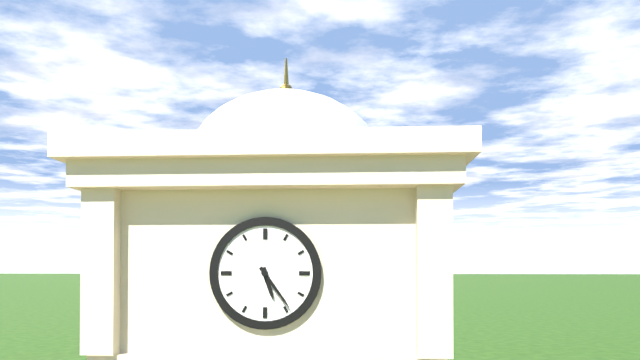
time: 5:24
